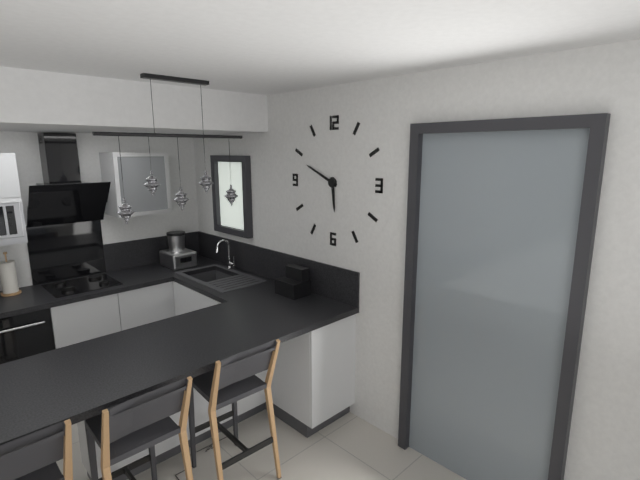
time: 5:49
